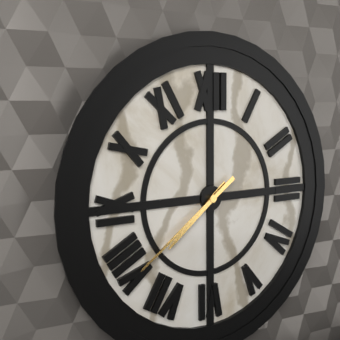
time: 7:39
